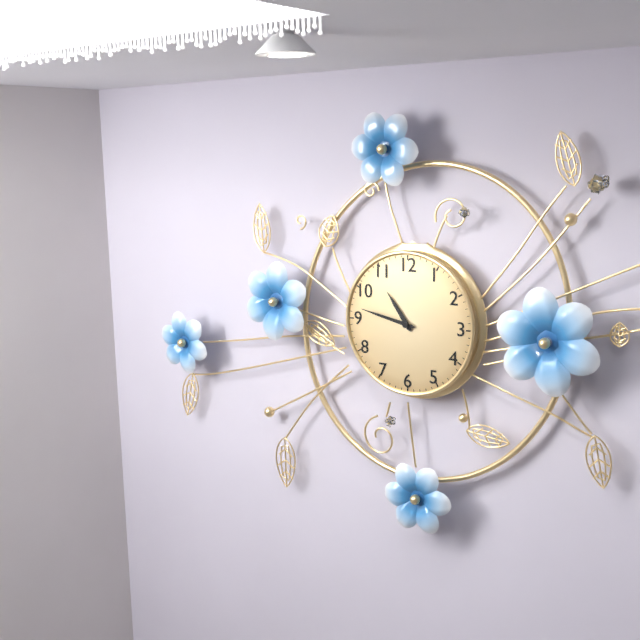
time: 10:47
